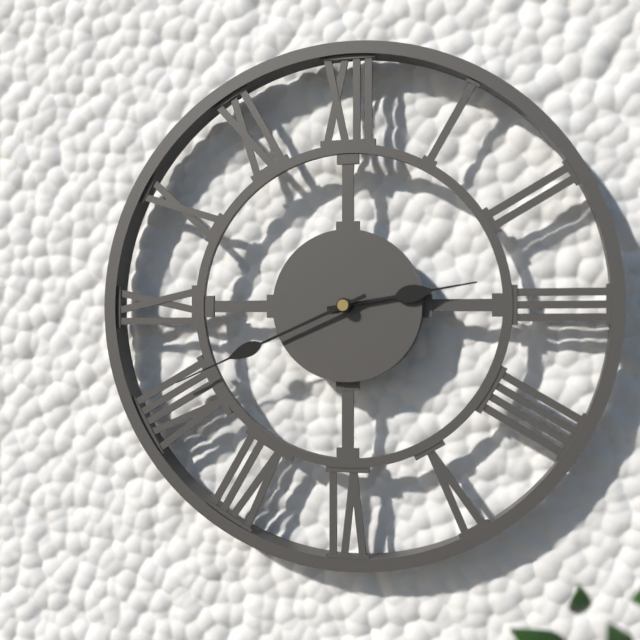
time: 2:41
